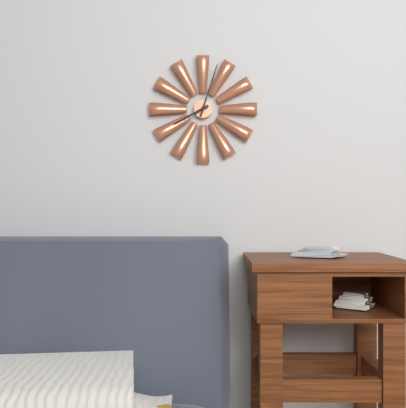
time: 8:03
